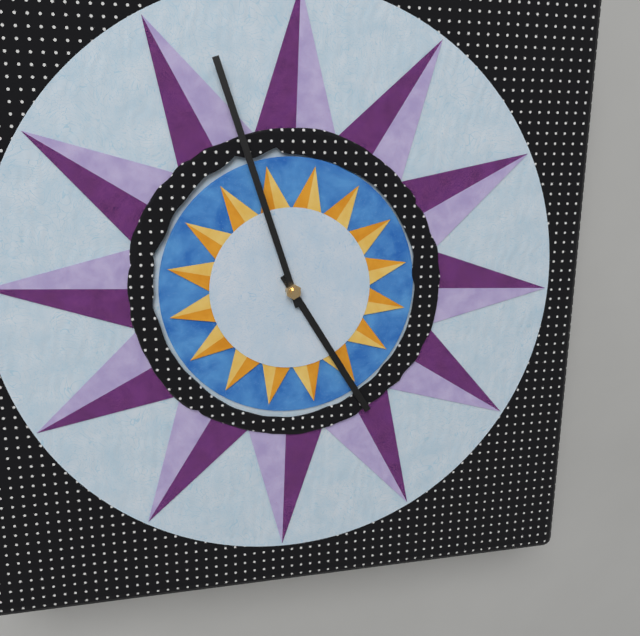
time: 4:57
